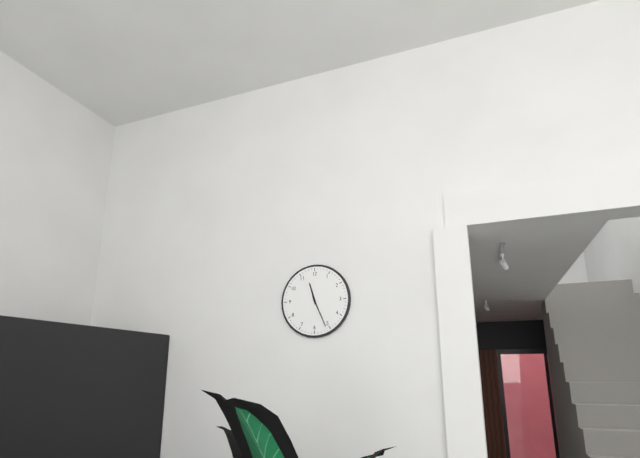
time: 11:26
